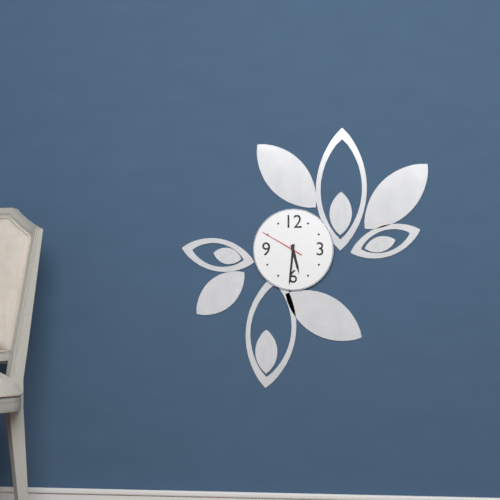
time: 5:31
